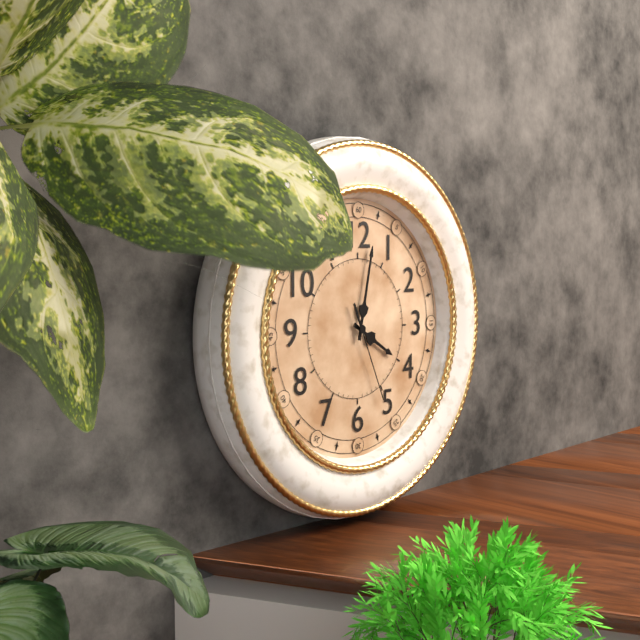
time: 4:02:26
